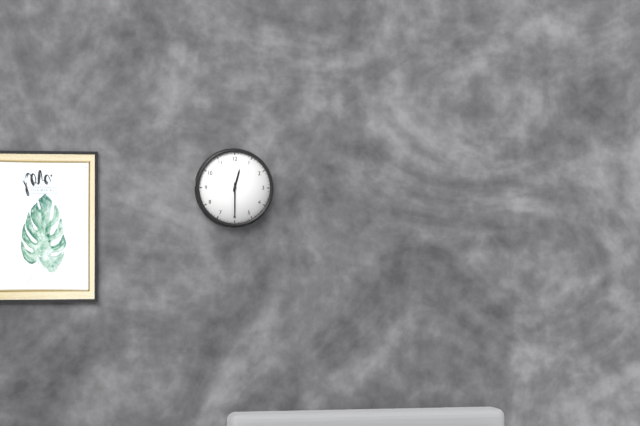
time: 12:30
